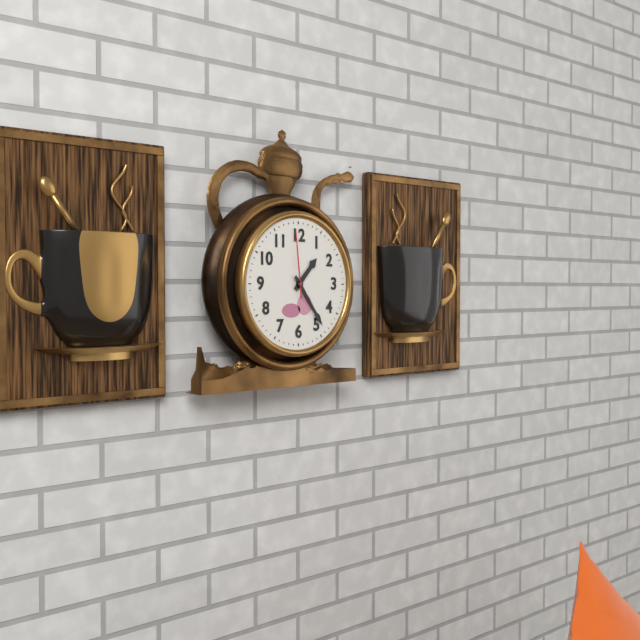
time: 1:24:59
